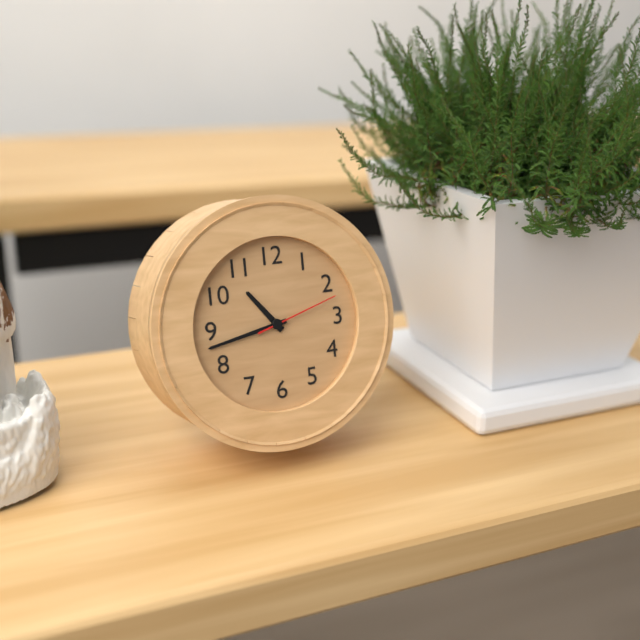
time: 10:43:12
